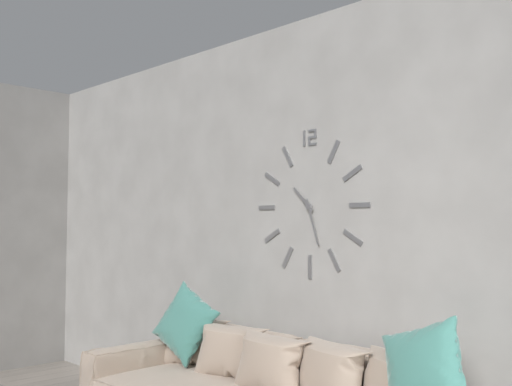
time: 10:27
